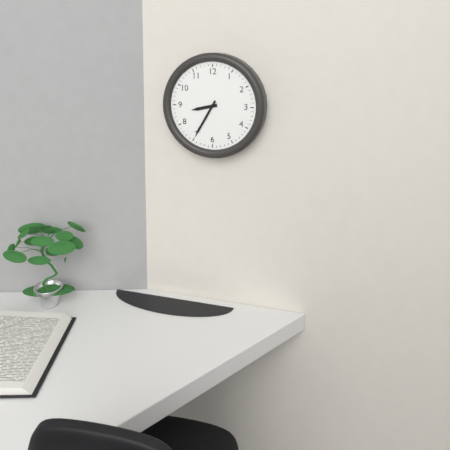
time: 8:35
